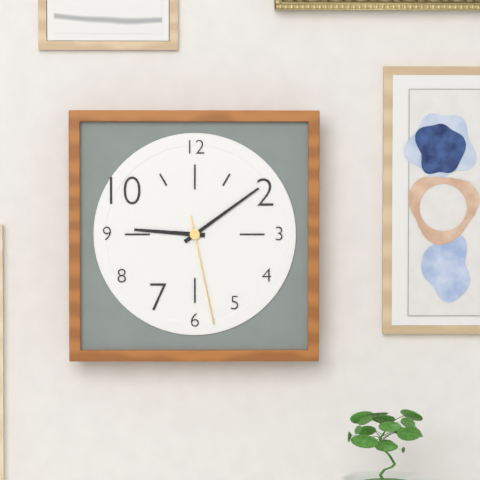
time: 9:09:28
